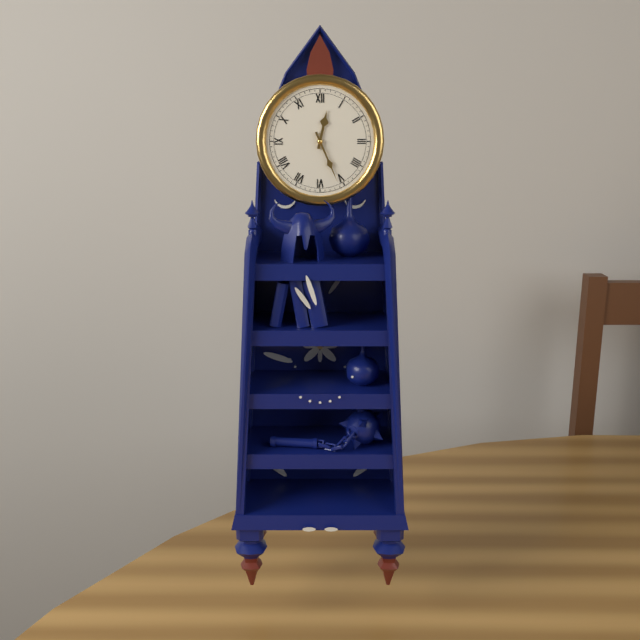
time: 12:26
